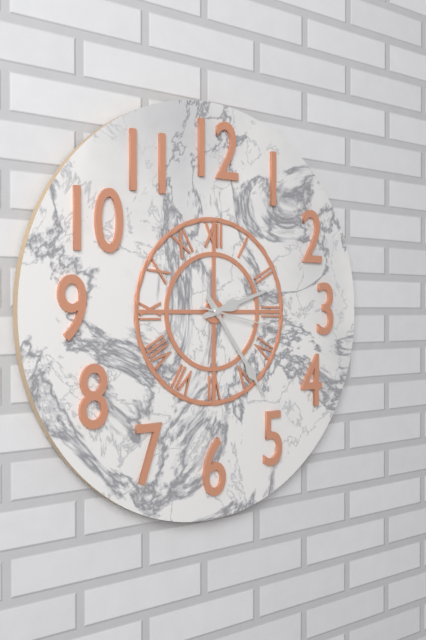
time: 2:24:17
